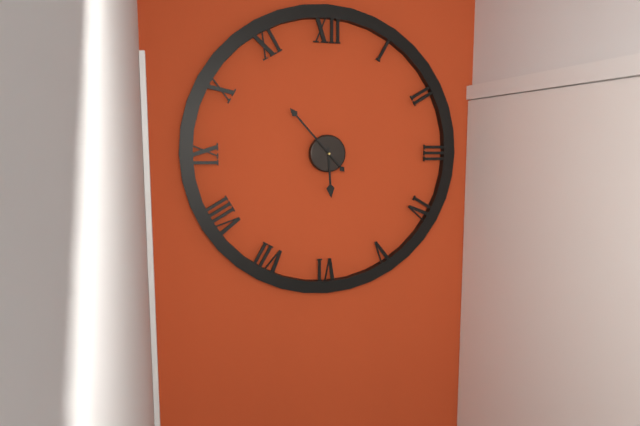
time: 5:53
